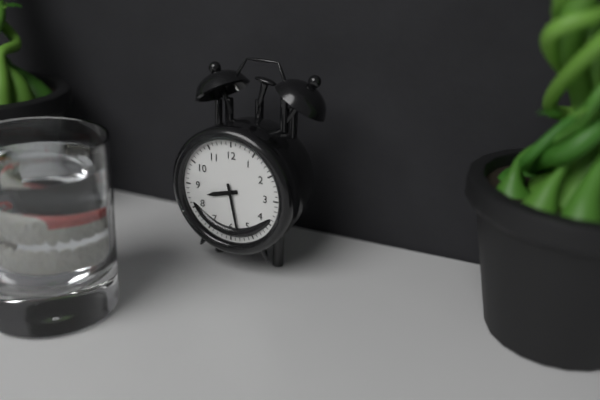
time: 8:28
